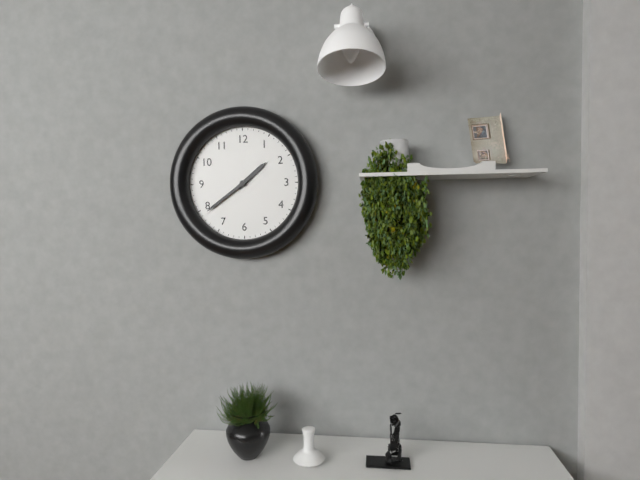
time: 1:39
